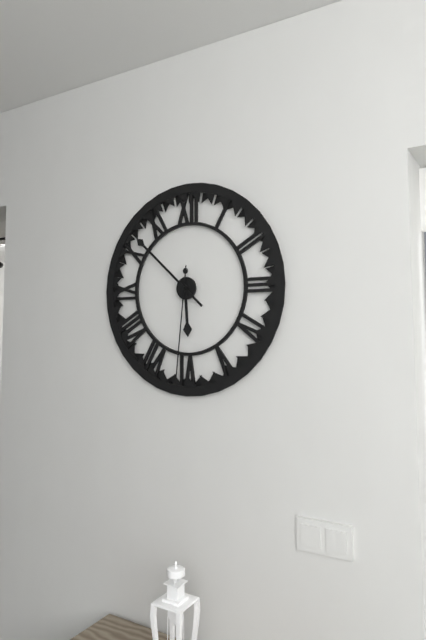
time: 5:52:31
